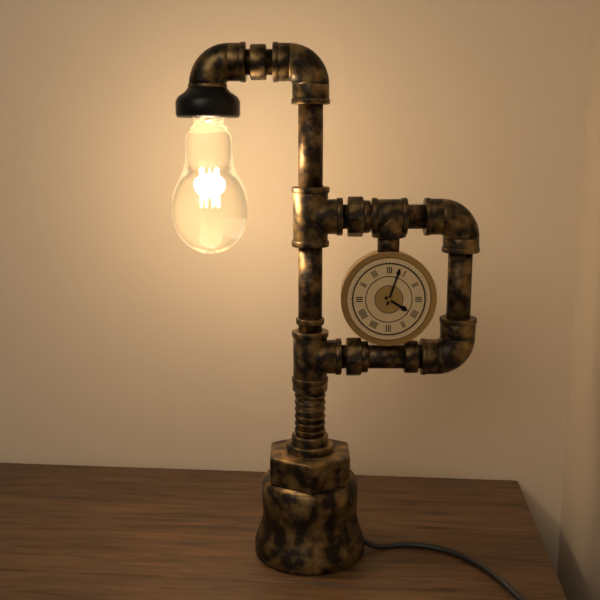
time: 4:03
